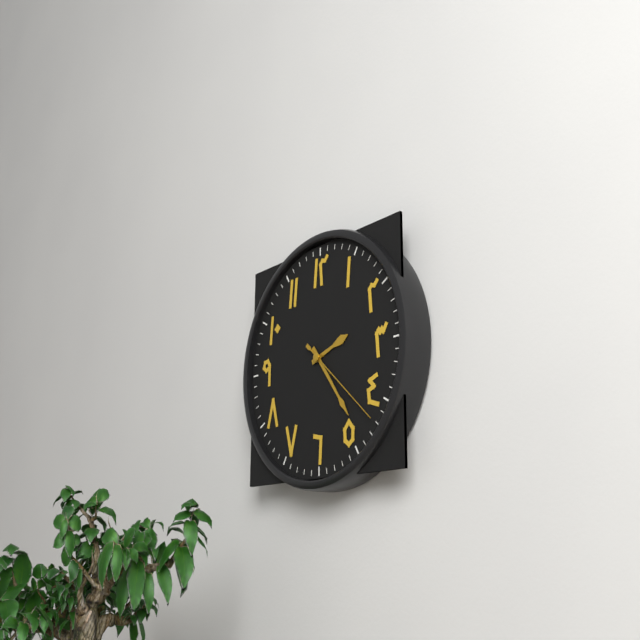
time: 2:24:22
